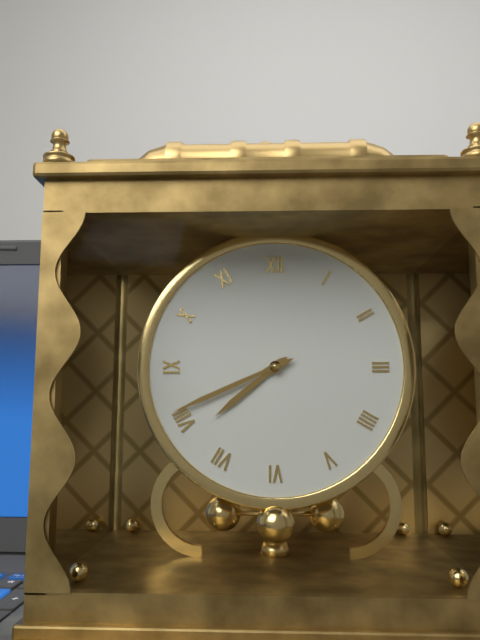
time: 7:41
